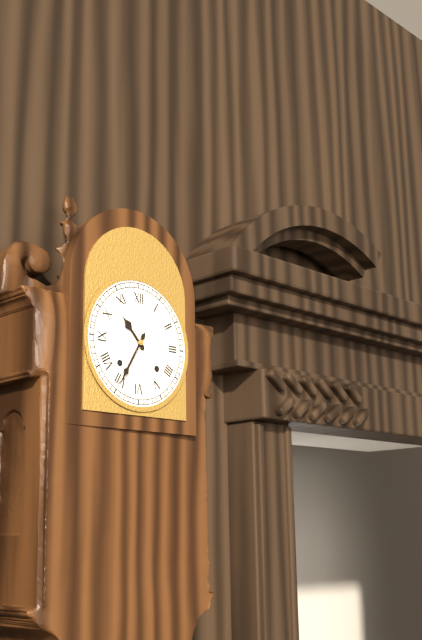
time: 10:35
